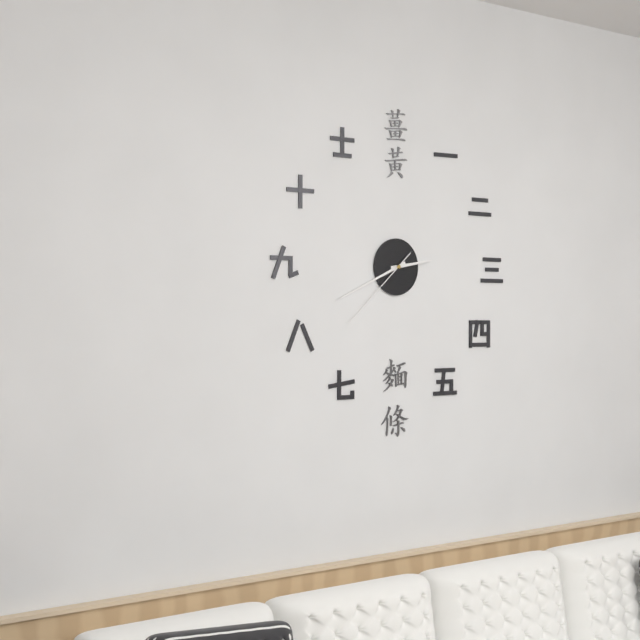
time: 2:41:38
